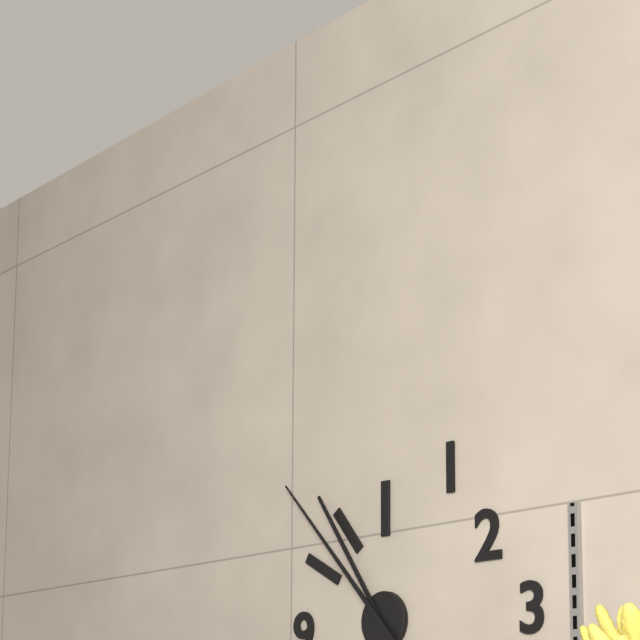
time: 10:53
